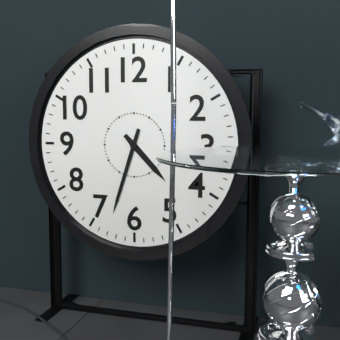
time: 4:33
